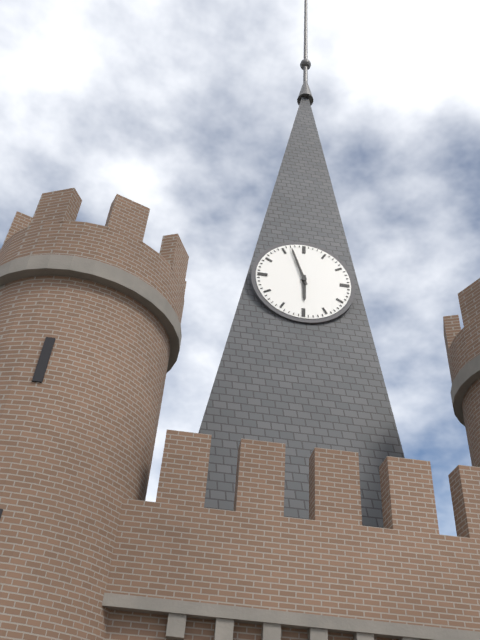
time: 5:57
